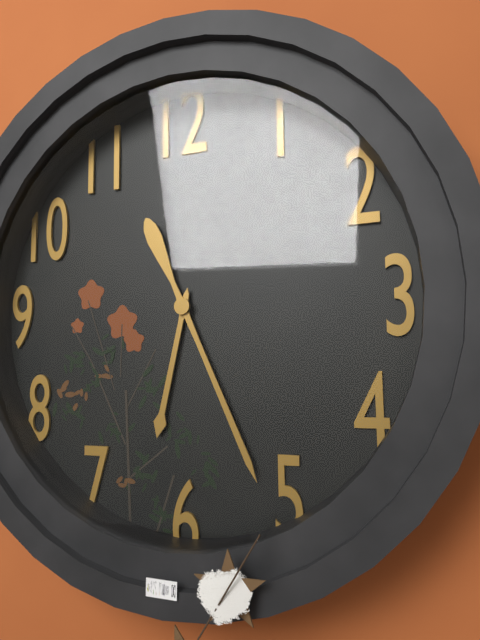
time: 6:26
